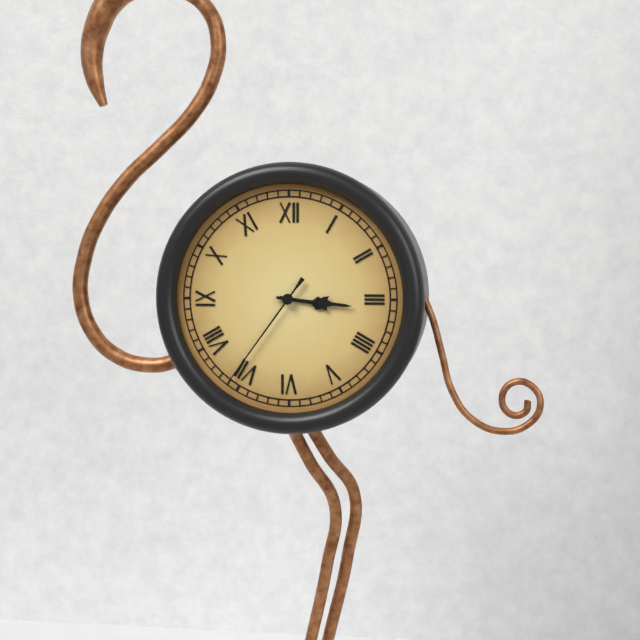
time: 3:16:36
